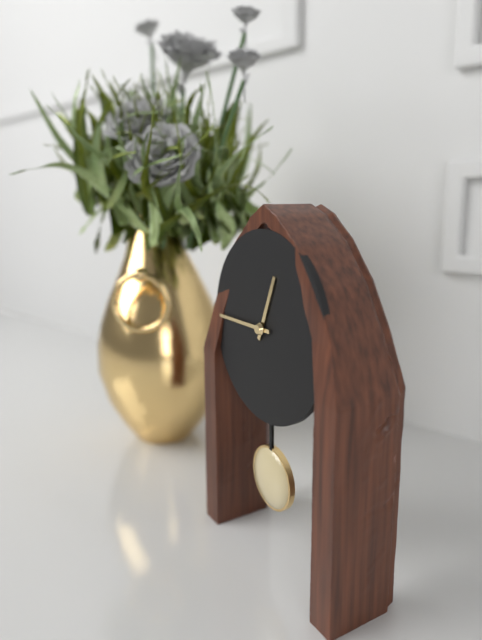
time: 12:45
